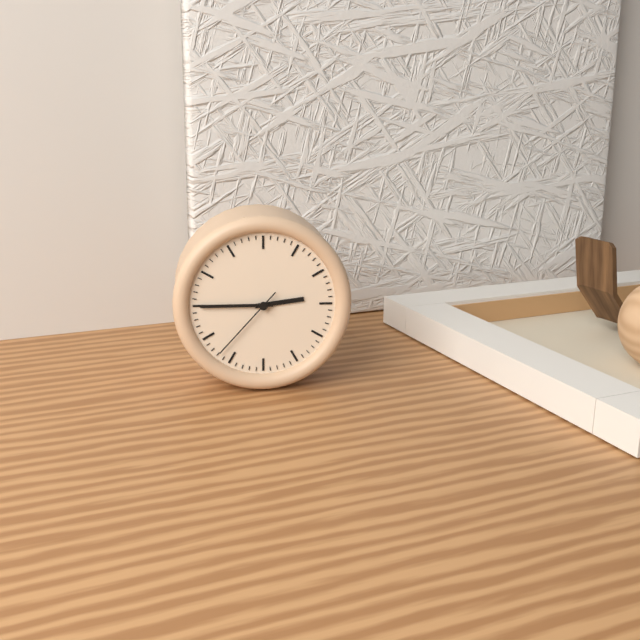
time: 2:45:37
